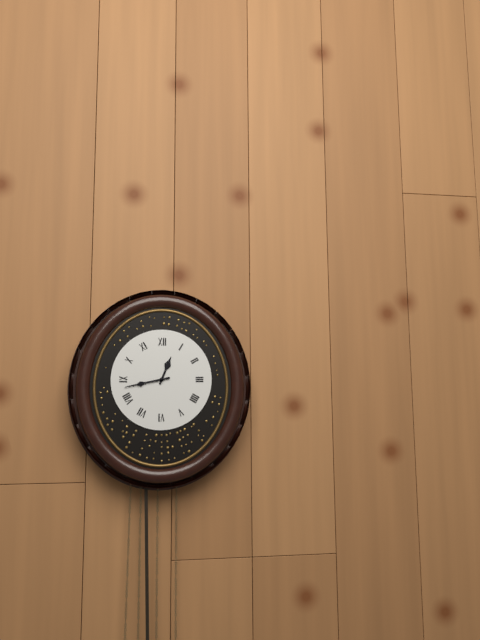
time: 12:43
